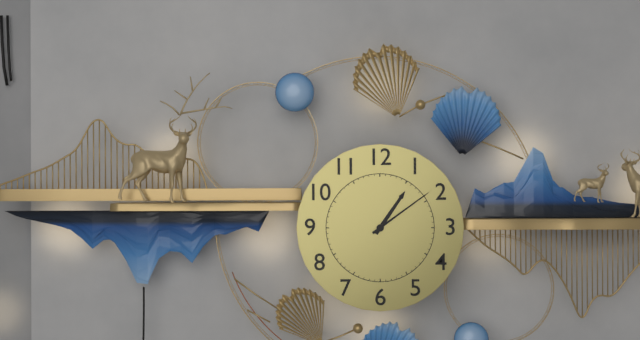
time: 1:09
